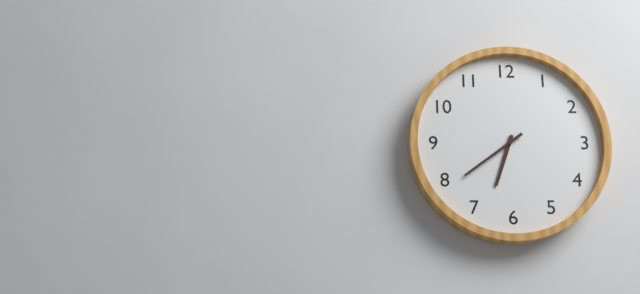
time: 6:39
